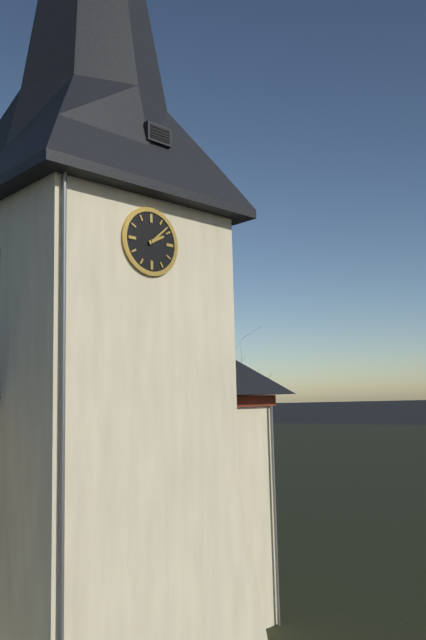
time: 2:08
